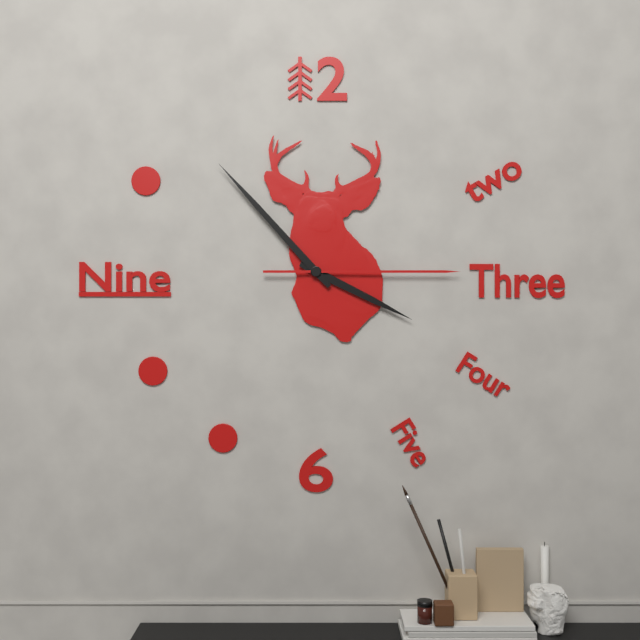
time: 3:53:15
